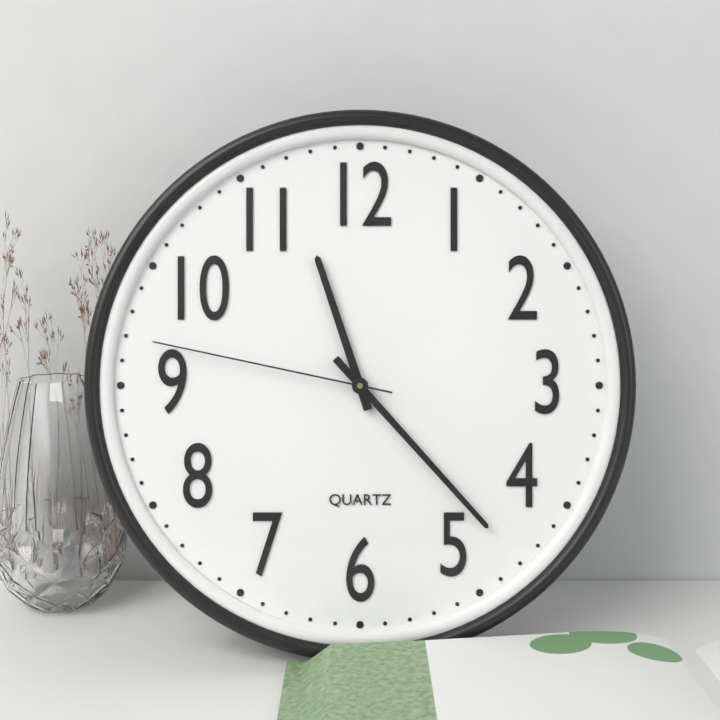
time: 11:23:47
